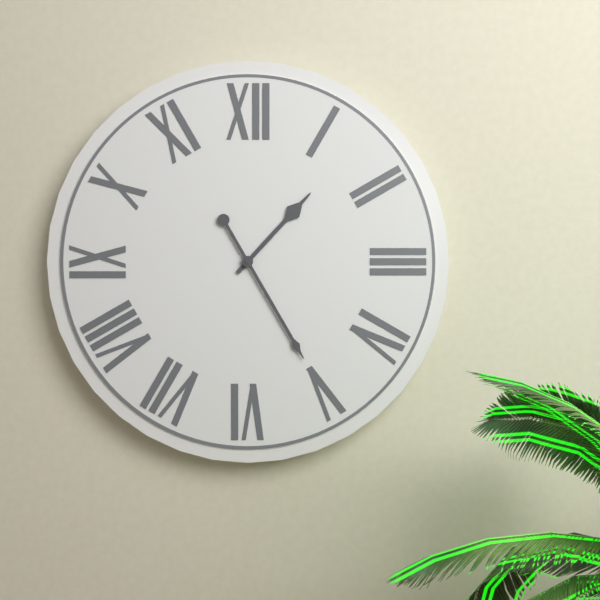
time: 1:25
